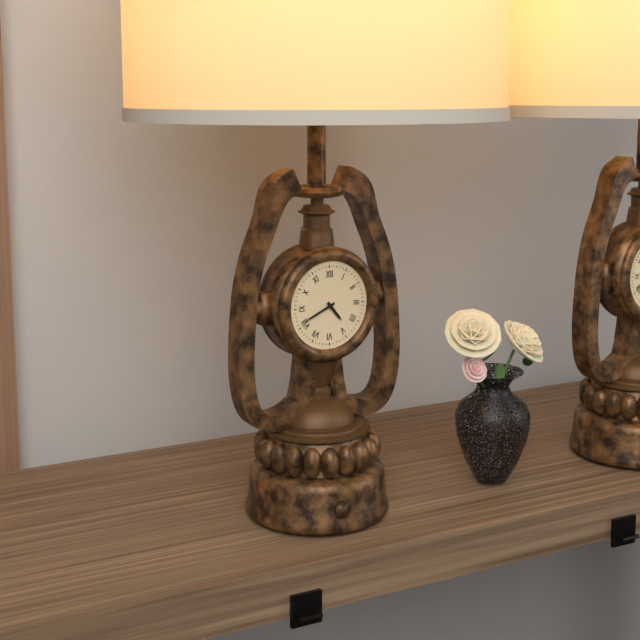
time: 4:41
